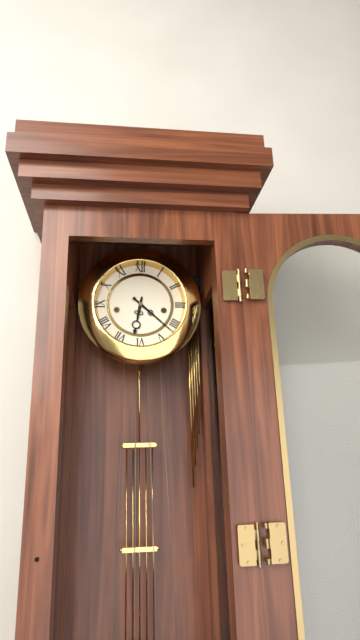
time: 6:22
